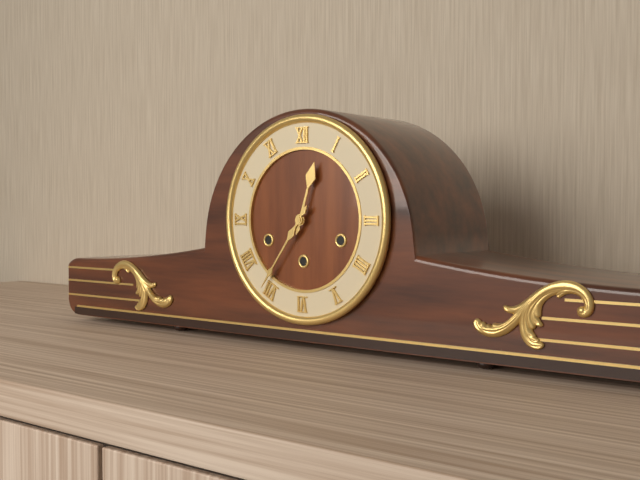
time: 12:36
